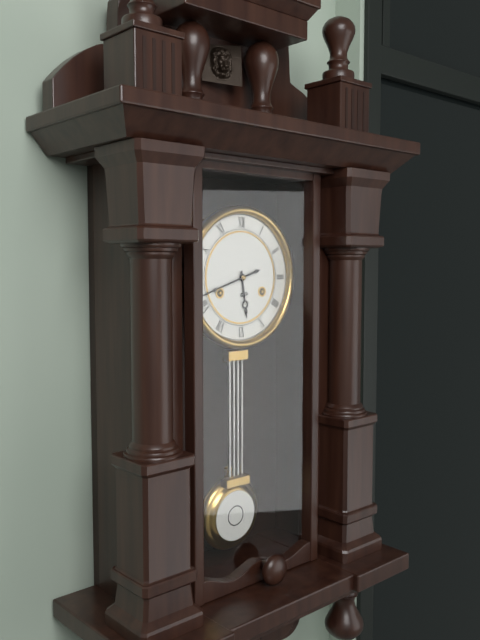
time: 5:42
